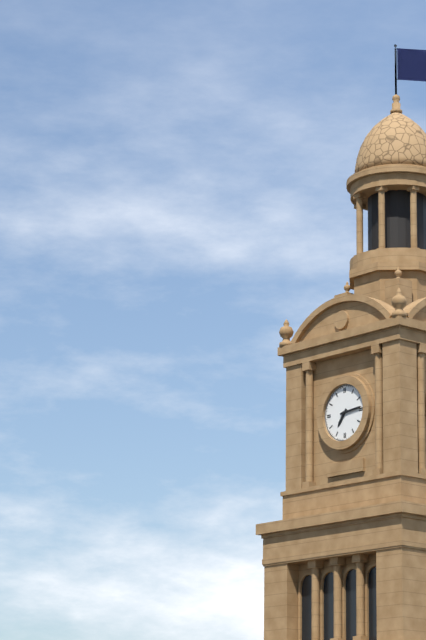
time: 7:14
